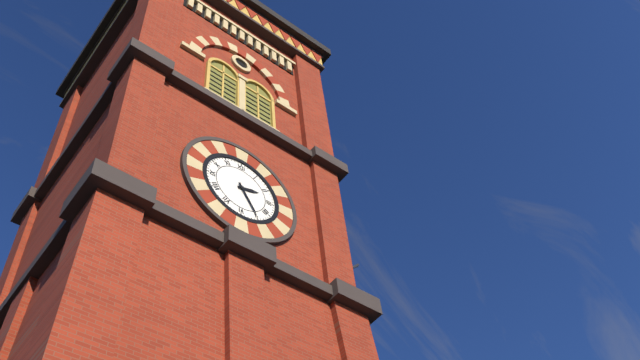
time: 2:25
